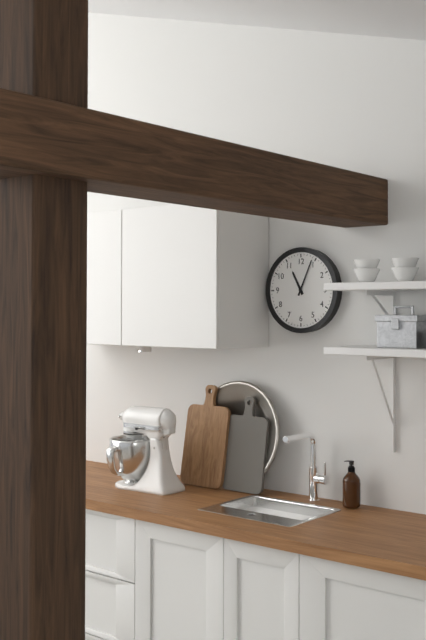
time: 11:04
